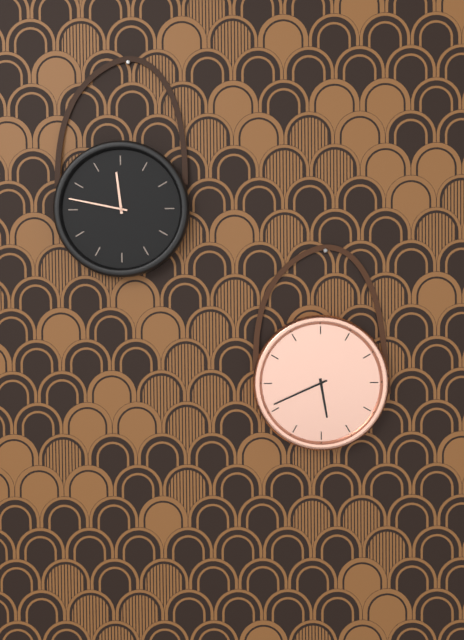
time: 5:41
